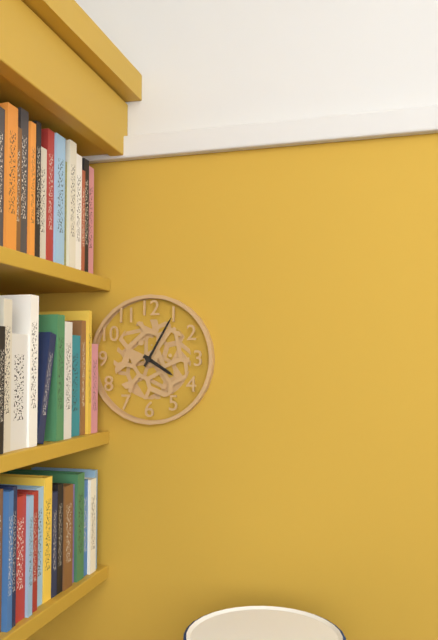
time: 4:05
